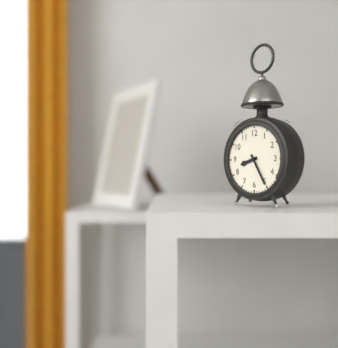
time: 8:25
